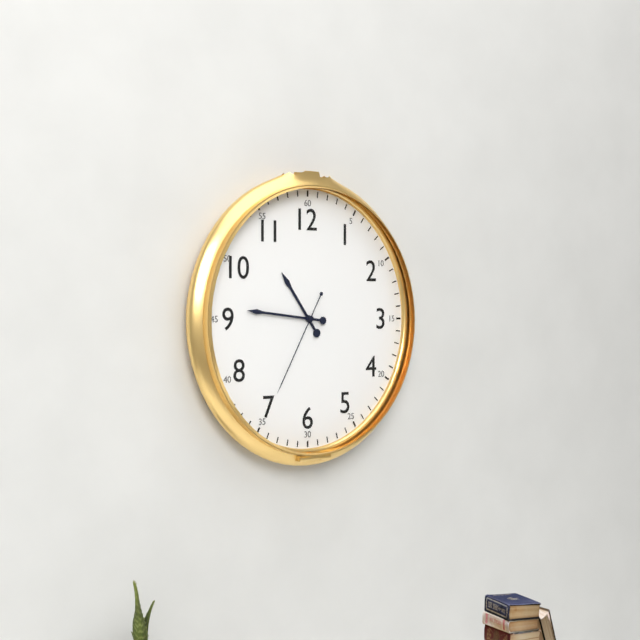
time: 10:46:35
